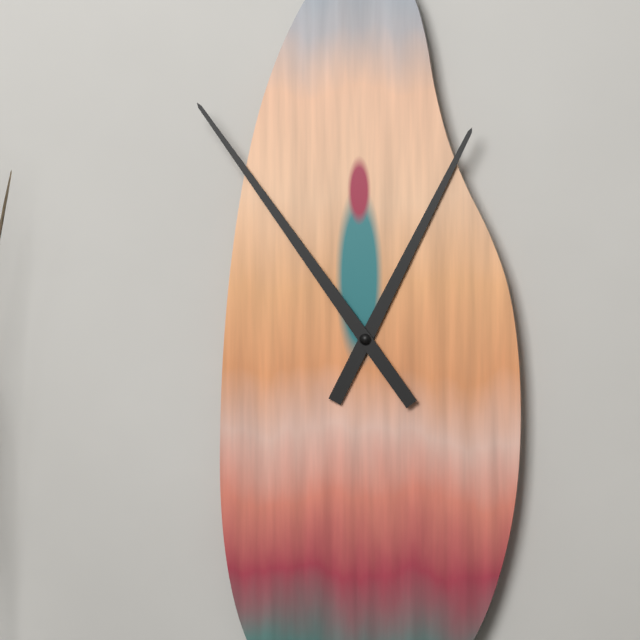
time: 12:54
